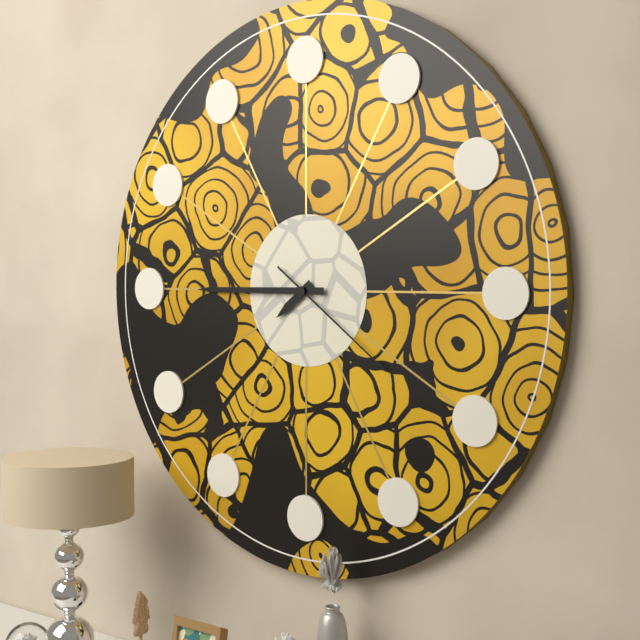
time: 7:45:21
